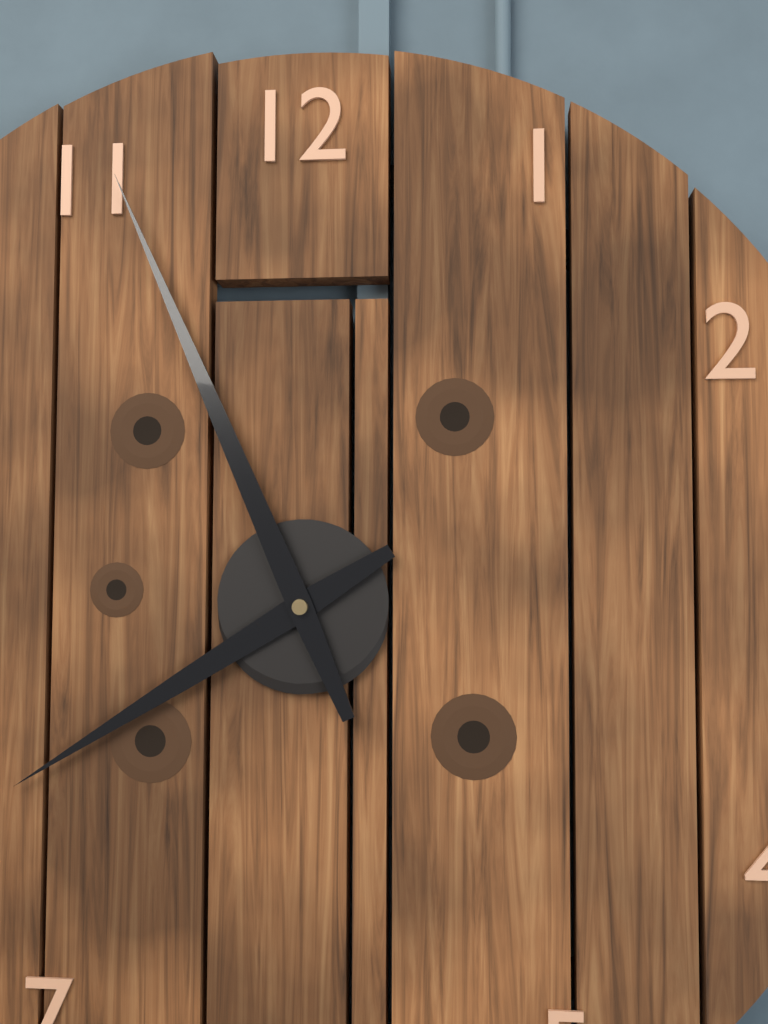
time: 7:56
